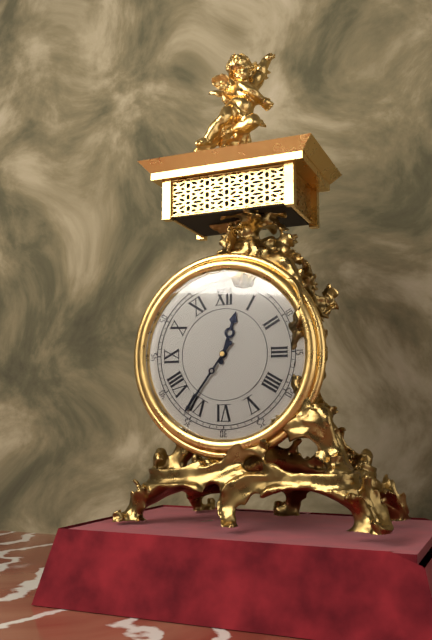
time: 12:36
